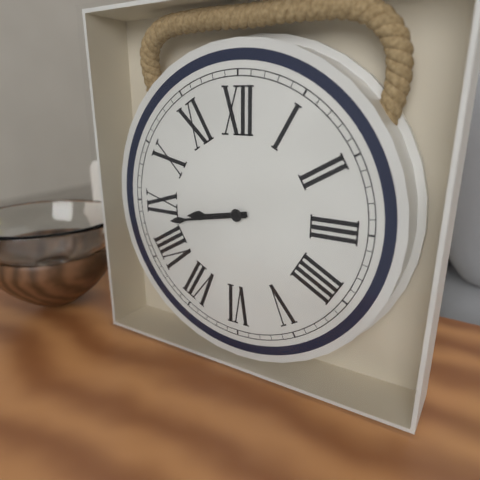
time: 8:43
